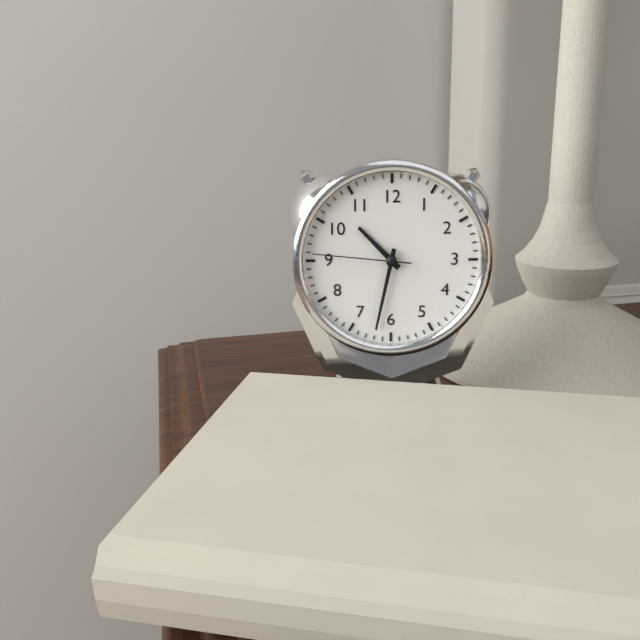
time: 10:32:46
